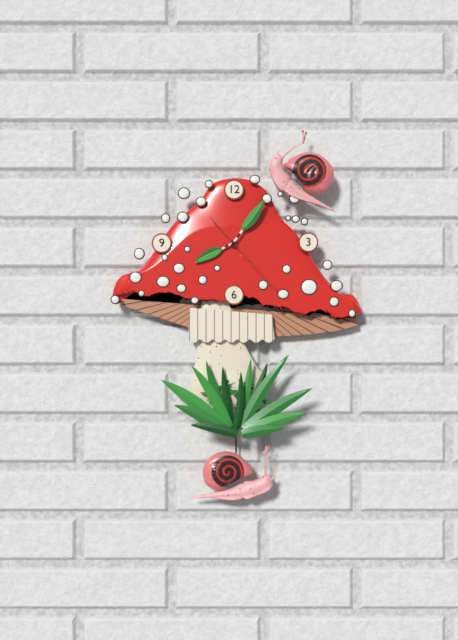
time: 8:06:23
